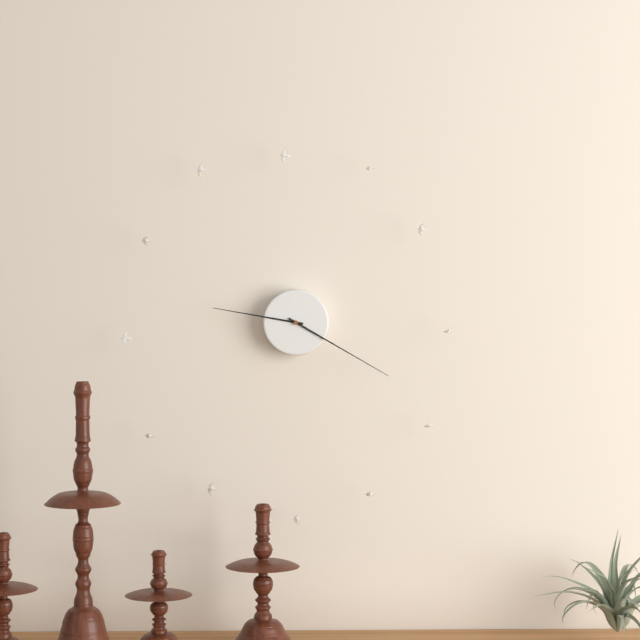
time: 9:20
